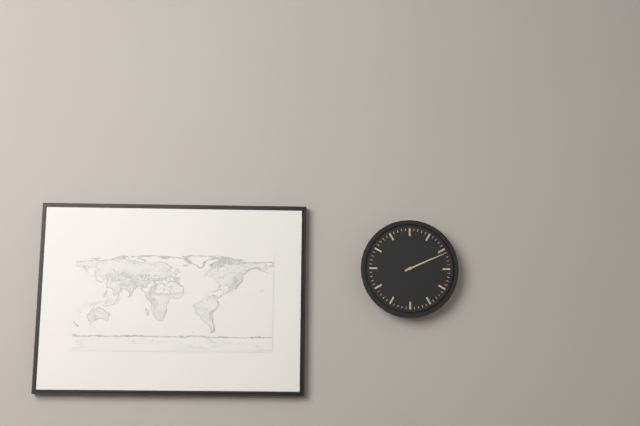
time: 2:11
